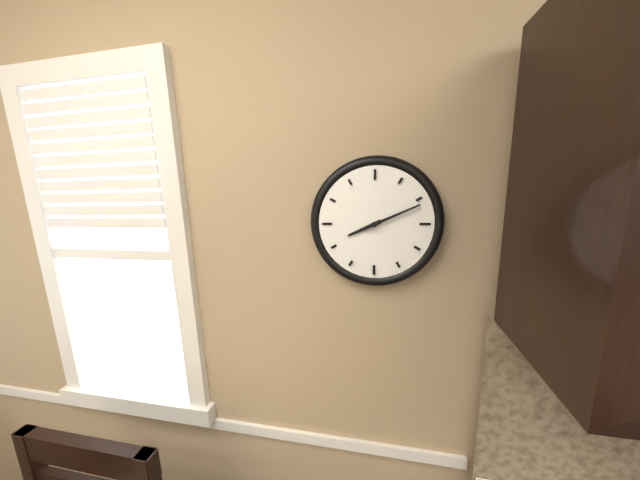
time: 8:11
